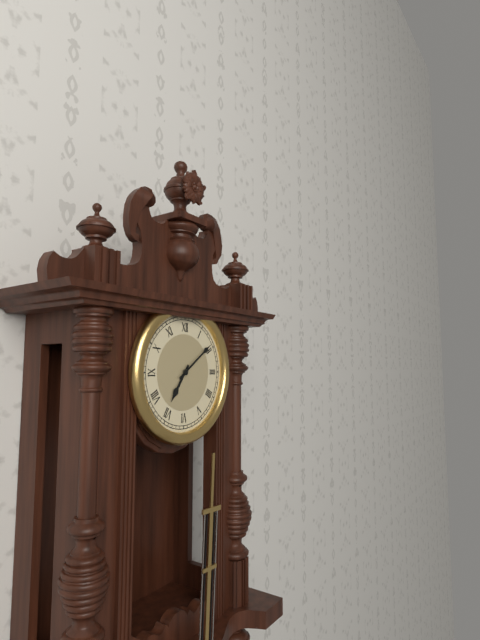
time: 7:09
